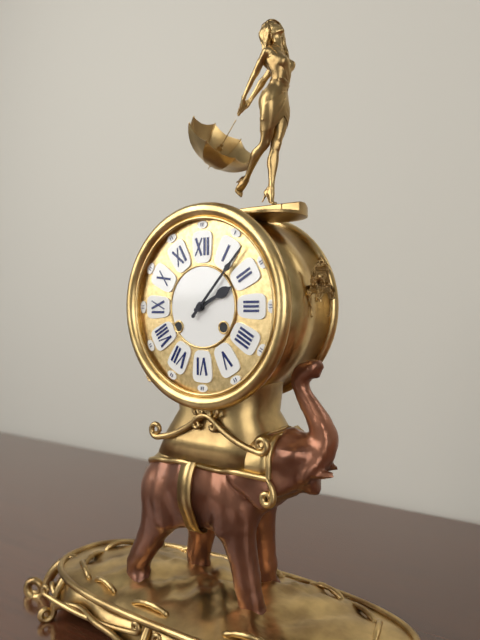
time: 2:07
